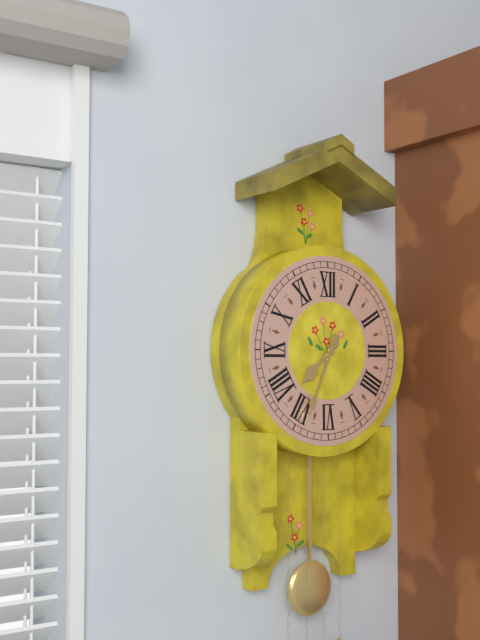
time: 7:34
